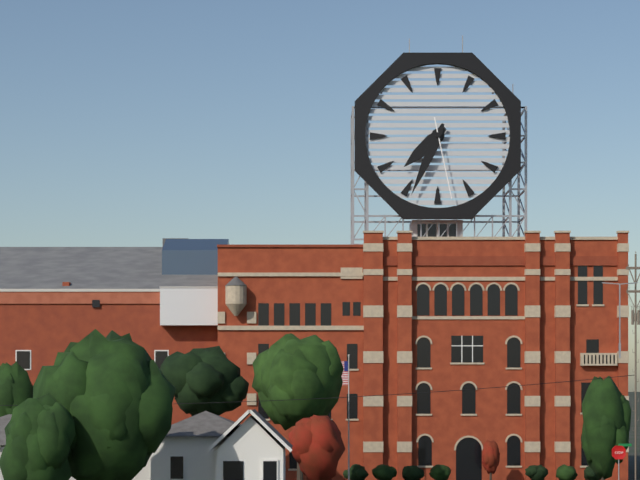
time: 7:34:28
